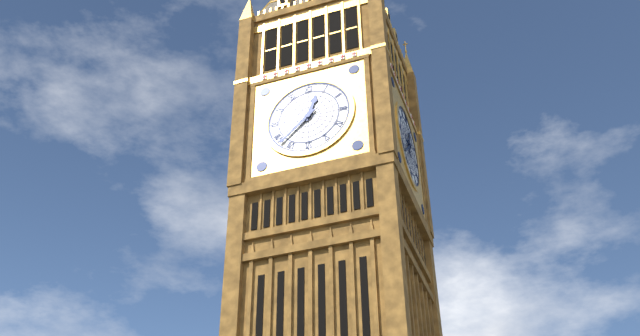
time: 12:38
